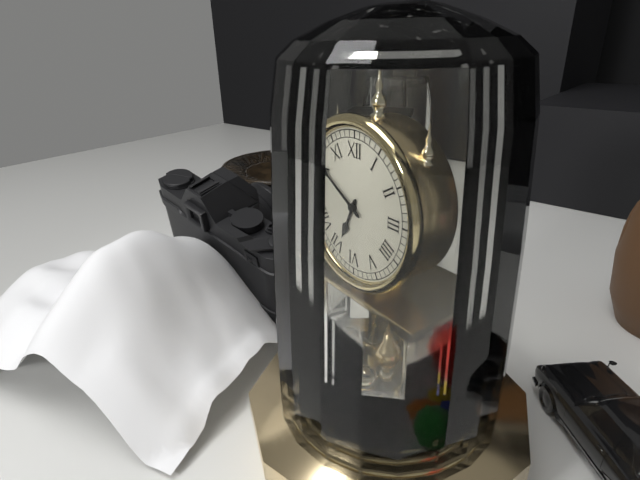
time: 6:50
